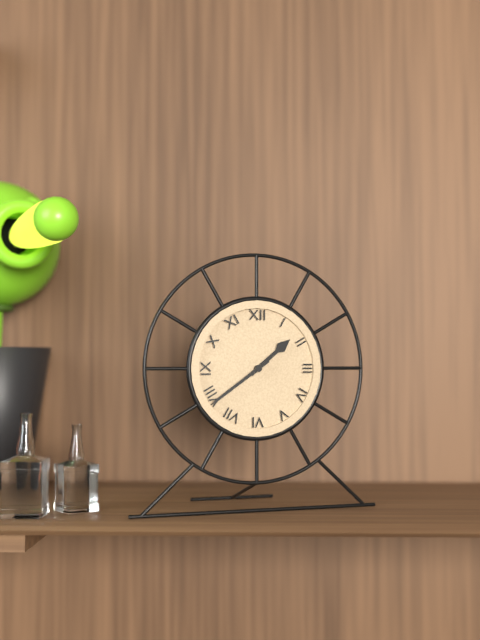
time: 1:39
